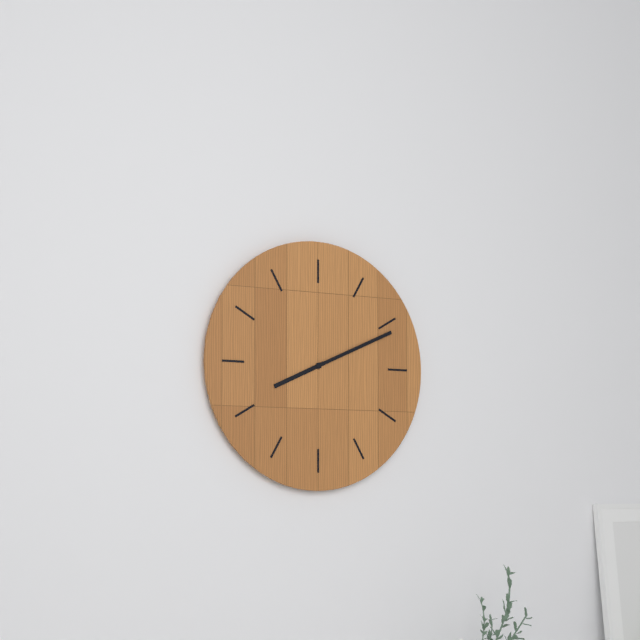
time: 8:11
